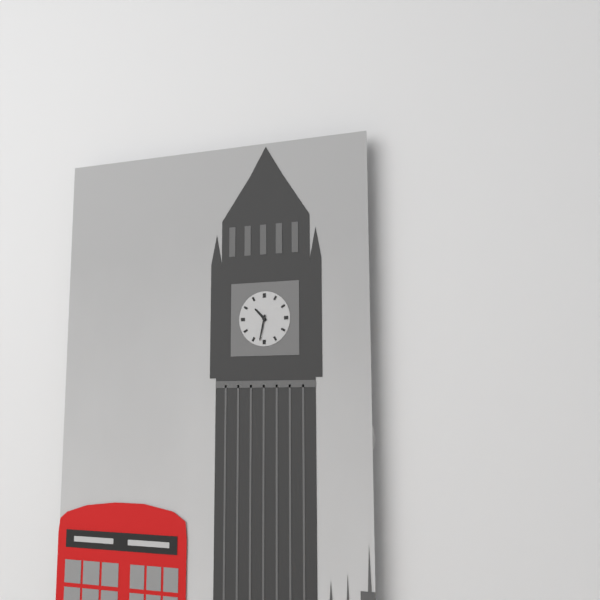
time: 10:32
